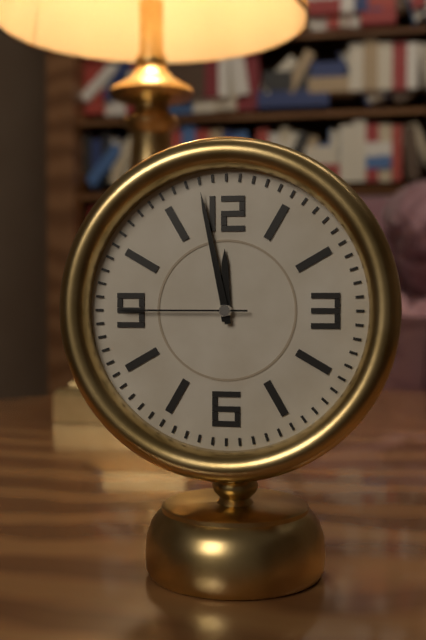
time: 11:58:45
